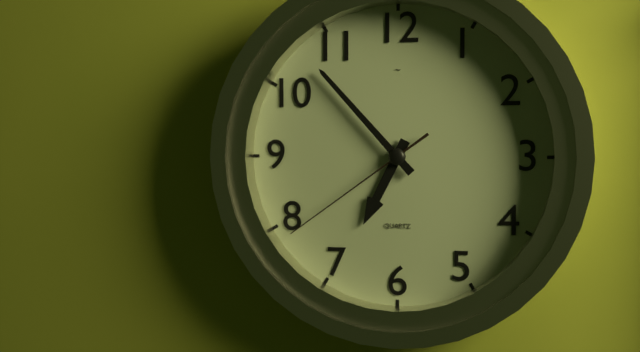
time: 6:53:39
